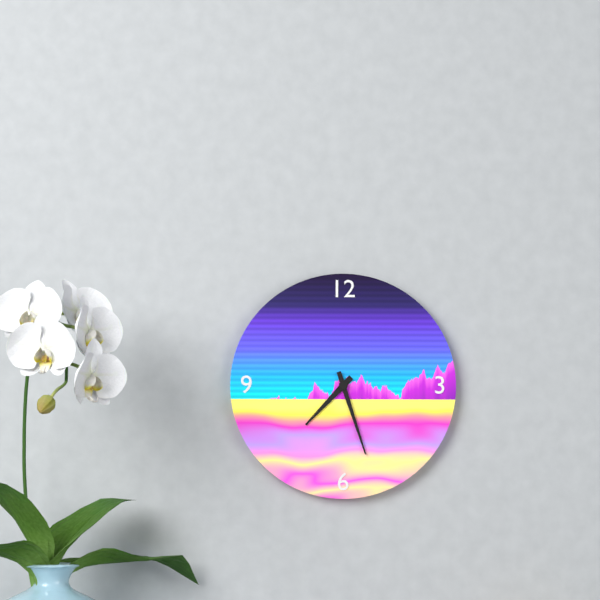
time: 7:27
